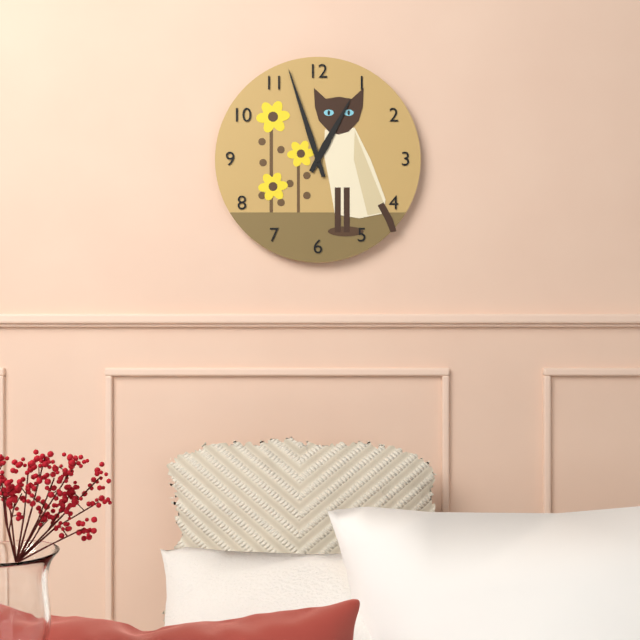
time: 12:57
